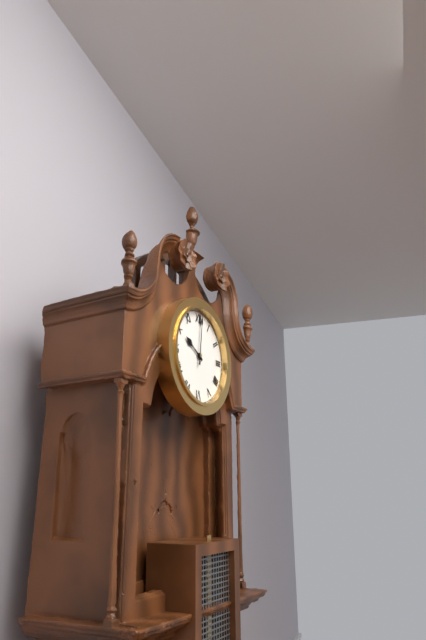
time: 10:01
